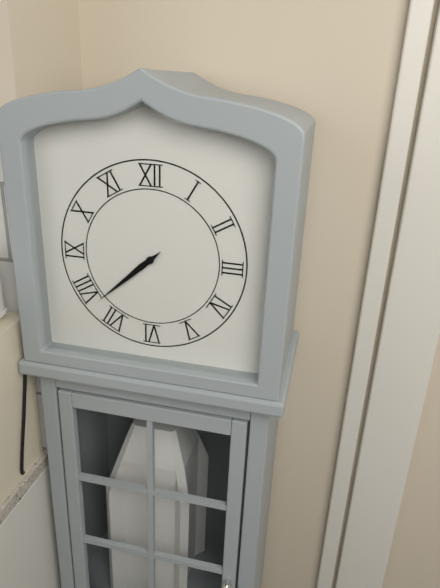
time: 7:38
